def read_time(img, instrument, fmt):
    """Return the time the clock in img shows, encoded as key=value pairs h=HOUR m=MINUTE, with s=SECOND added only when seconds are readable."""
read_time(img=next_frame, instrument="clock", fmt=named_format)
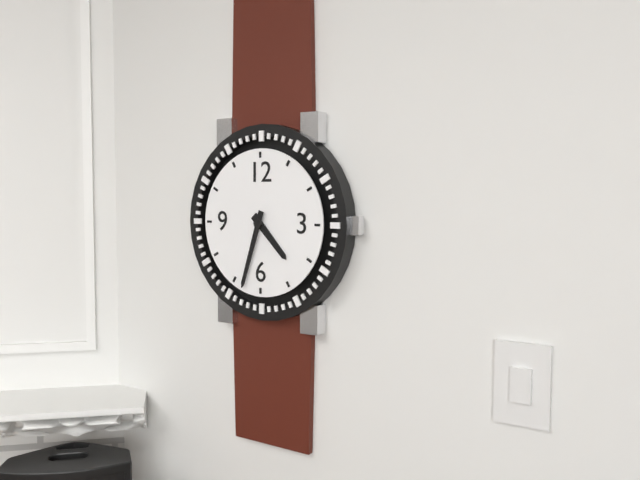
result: h=4 m=33
